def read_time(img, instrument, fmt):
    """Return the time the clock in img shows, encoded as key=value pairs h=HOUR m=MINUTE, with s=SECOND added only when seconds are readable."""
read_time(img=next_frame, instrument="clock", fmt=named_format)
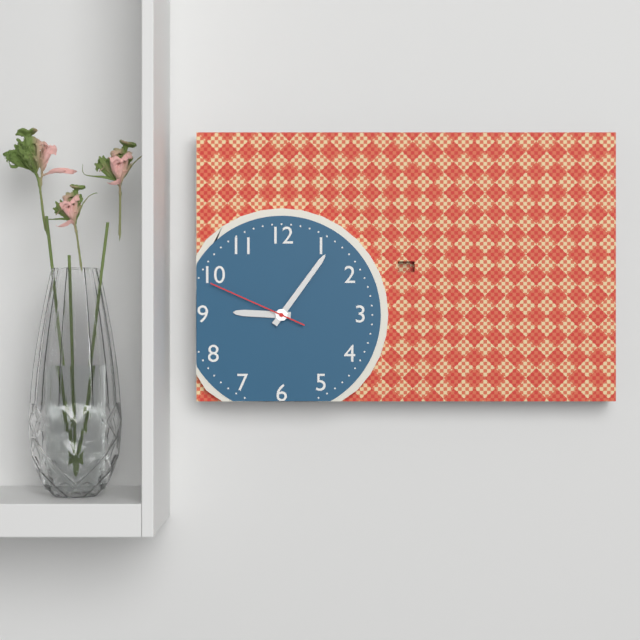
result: h=9 m=6 s=49
